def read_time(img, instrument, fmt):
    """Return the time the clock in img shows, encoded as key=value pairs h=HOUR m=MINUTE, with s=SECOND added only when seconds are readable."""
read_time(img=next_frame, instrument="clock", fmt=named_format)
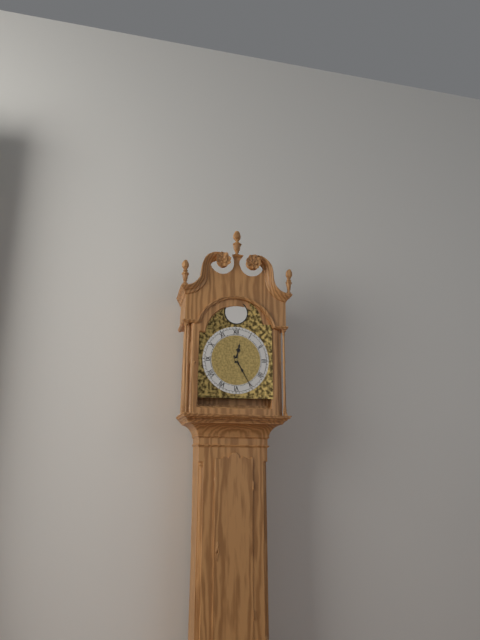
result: h=12 m=25
